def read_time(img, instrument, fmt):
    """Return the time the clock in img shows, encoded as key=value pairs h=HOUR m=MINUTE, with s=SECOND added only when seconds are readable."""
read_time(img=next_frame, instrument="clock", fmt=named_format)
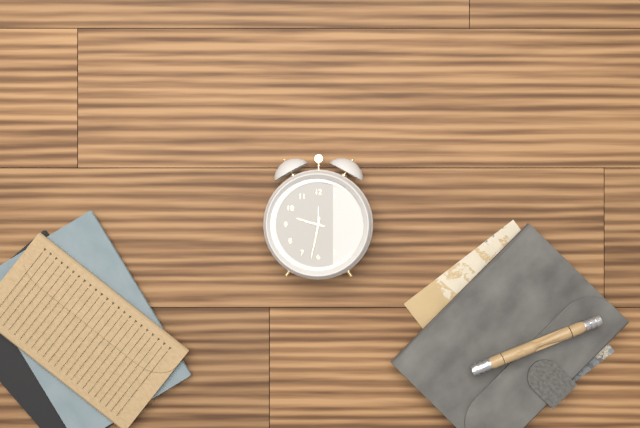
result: h=9 m=32
